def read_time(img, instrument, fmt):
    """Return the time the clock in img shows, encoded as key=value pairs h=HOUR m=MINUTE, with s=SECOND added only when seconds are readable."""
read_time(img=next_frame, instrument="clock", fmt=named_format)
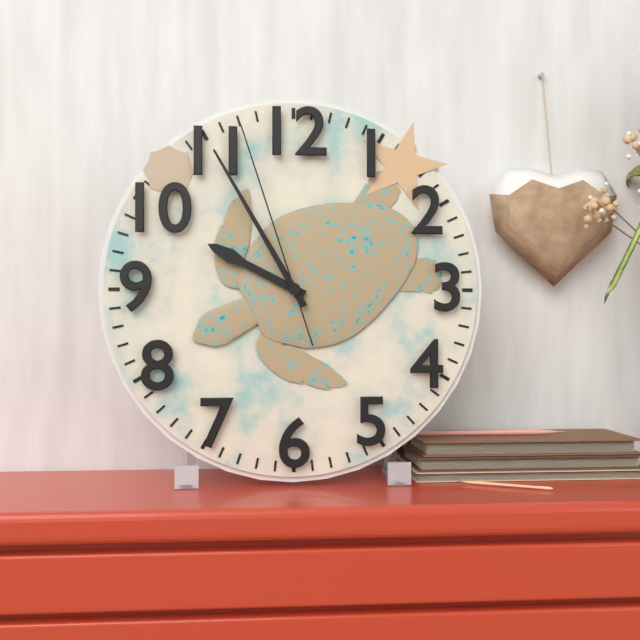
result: h=9 m=55 s=57
